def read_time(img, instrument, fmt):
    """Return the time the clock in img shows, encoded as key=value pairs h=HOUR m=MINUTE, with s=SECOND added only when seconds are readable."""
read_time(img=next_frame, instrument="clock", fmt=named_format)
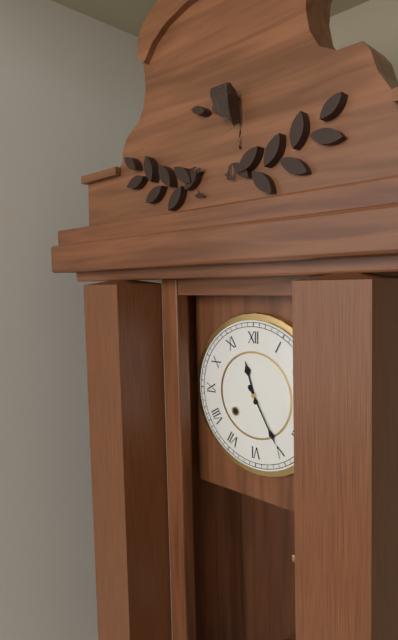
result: h=11 m=25
